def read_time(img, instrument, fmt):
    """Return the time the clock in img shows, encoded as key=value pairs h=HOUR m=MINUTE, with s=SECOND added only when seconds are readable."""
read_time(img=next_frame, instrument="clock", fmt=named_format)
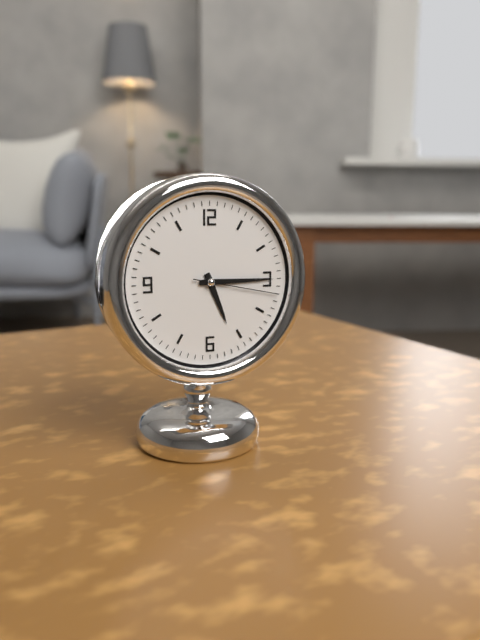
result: h=5 m=15 s=17
